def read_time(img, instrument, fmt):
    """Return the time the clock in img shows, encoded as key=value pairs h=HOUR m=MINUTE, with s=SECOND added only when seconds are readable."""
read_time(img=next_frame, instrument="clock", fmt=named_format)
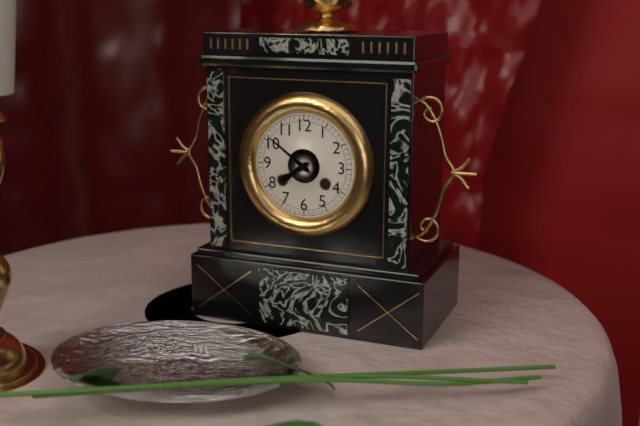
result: h=7 m=51
